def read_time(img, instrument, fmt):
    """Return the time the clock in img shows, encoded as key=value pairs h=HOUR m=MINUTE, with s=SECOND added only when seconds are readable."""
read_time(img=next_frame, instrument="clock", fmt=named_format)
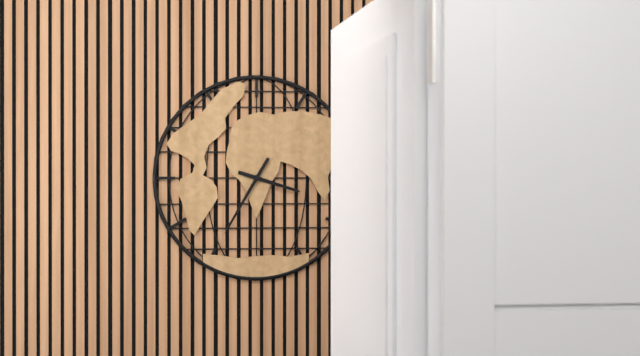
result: h=3 m=35
